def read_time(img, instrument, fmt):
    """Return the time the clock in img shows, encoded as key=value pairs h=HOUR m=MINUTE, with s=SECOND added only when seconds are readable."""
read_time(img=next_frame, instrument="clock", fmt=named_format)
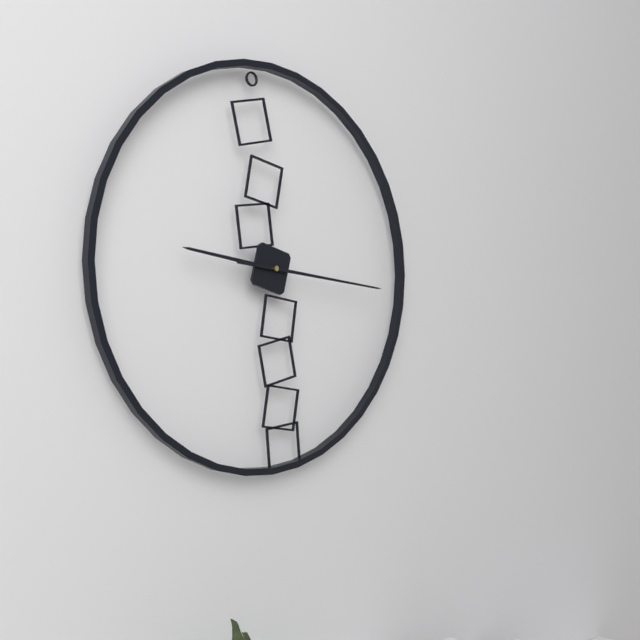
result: h=9 m=16
